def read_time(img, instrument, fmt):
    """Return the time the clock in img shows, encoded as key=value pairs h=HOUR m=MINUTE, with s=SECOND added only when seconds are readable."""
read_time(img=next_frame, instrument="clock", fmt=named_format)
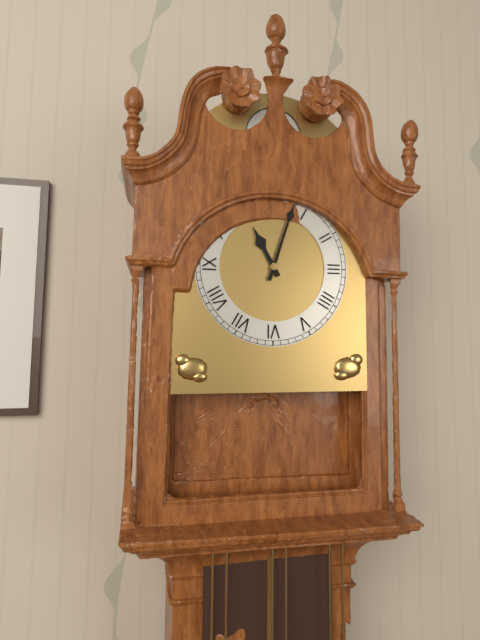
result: h=11 m=3
